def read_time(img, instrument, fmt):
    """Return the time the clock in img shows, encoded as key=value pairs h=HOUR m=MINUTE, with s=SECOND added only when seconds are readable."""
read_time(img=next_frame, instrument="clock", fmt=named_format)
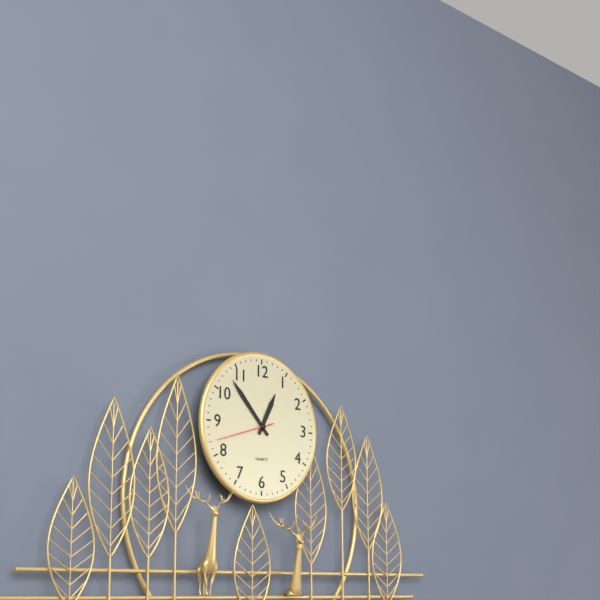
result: h=12 m=53 s=42
